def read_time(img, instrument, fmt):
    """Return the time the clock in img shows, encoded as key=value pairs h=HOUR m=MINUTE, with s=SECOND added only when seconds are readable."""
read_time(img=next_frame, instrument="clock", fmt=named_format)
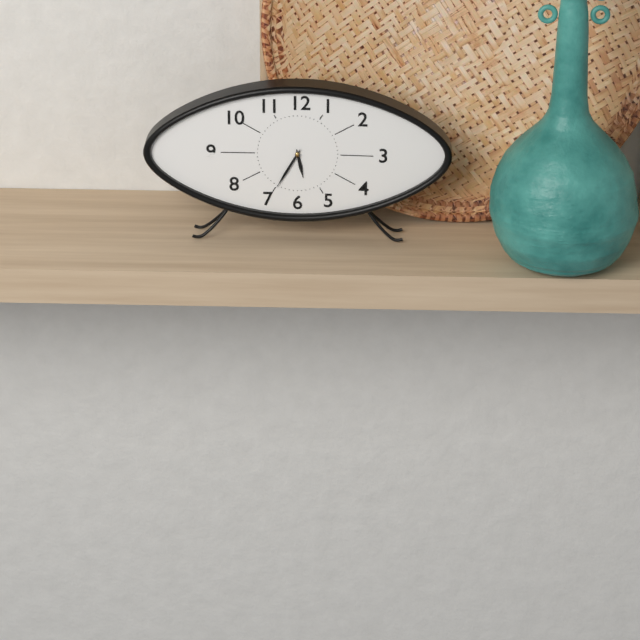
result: h=5 m=35
